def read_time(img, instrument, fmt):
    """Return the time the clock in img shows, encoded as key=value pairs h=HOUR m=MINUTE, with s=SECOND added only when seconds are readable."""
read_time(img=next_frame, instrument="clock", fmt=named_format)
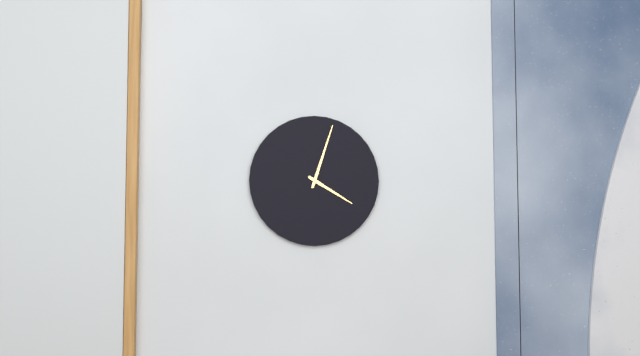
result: h=4 m=3
